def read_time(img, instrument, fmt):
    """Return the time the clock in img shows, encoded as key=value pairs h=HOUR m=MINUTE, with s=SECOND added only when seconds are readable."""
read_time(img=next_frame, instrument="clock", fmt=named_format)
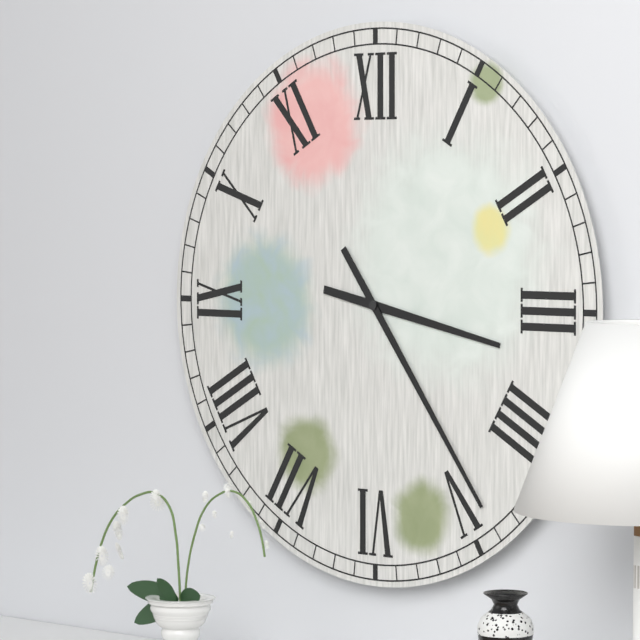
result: h=3 m=24
